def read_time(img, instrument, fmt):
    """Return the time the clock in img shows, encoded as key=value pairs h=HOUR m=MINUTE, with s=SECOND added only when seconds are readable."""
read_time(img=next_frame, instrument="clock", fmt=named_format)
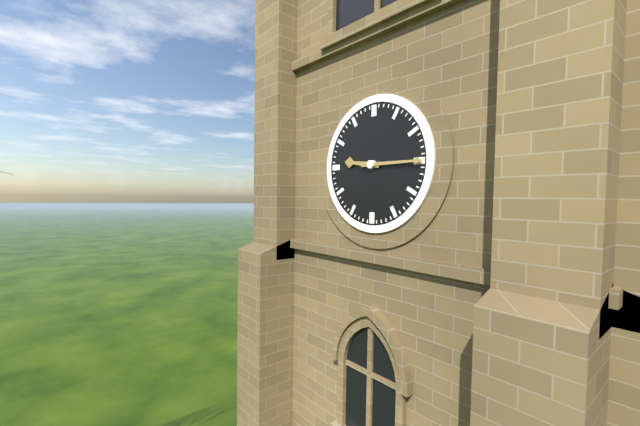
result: h=9 m=15
